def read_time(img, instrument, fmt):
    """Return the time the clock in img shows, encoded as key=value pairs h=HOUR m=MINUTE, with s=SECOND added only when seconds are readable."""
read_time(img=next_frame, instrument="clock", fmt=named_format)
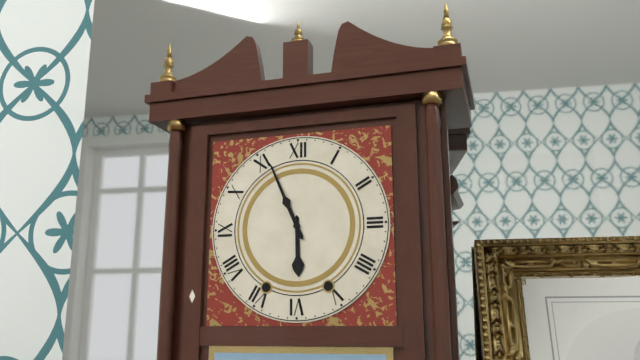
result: h=5 m=56
